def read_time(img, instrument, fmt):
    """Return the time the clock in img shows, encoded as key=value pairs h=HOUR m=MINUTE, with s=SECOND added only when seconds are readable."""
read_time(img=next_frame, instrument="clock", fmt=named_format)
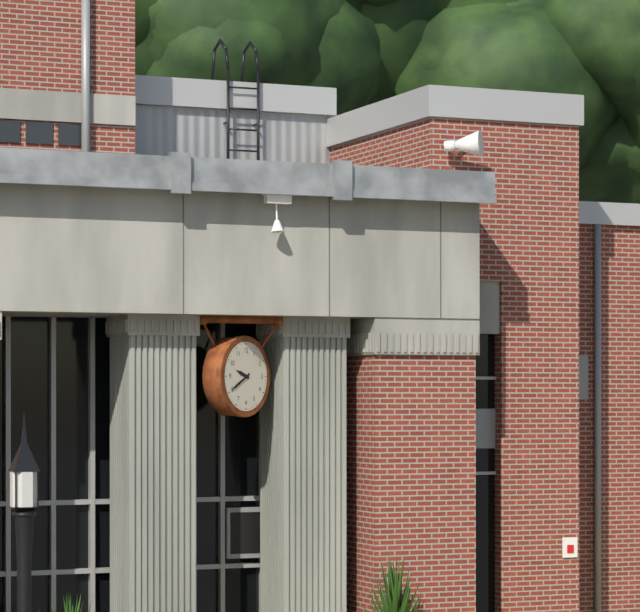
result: h=9 m=40
